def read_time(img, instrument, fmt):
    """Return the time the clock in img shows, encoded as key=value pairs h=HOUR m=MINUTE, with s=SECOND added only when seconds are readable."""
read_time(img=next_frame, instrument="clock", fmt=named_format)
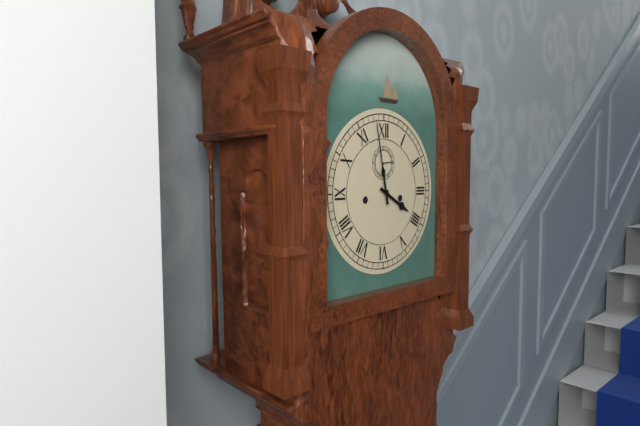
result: h=3 m=58
